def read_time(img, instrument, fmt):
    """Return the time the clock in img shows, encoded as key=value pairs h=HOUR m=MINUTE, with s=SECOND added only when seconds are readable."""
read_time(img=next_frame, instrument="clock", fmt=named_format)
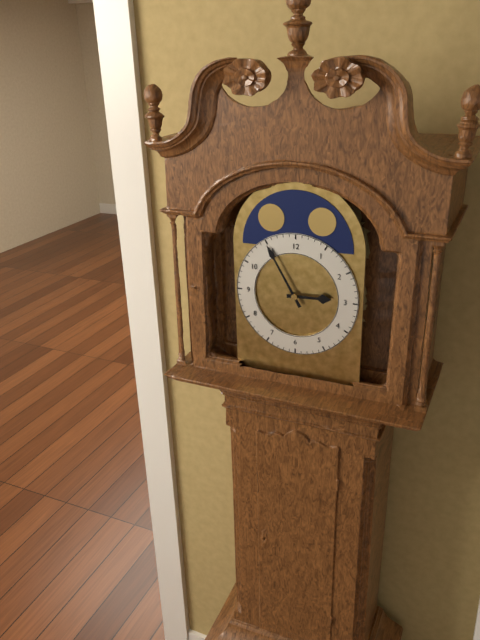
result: h=2 m=55
